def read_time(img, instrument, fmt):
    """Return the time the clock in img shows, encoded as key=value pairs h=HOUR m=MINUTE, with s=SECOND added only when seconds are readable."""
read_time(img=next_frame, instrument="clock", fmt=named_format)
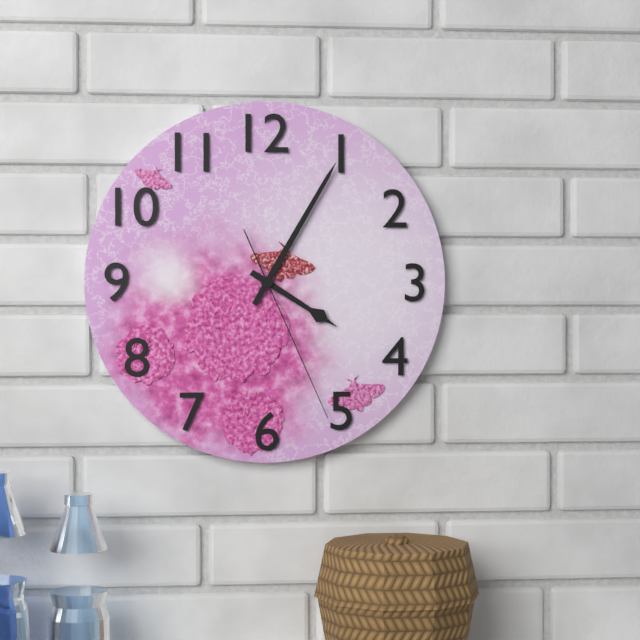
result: h=4 m=5 s=26
